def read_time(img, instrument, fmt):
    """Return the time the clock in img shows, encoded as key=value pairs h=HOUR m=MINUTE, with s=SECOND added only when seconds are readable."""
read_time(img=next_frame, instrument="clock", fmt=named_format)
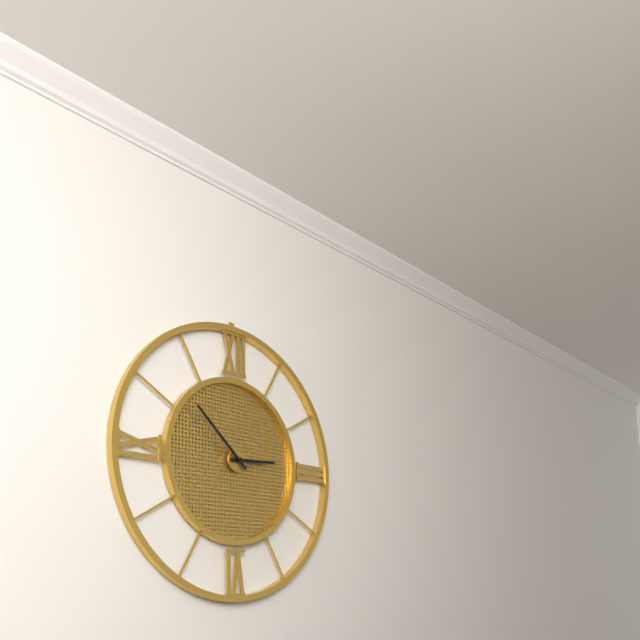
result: h=2 m=52
